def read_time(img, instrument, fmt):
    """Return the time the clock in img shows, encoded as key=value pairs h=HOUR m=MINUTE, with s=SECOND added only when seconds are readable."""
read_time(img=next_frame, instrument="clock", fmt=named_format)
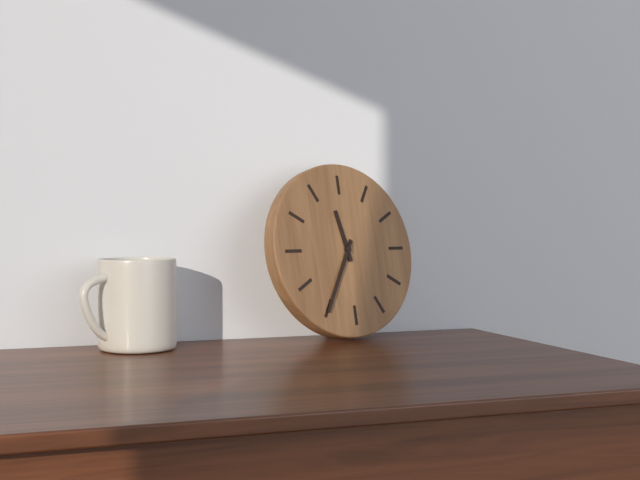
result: h=11 m=35
